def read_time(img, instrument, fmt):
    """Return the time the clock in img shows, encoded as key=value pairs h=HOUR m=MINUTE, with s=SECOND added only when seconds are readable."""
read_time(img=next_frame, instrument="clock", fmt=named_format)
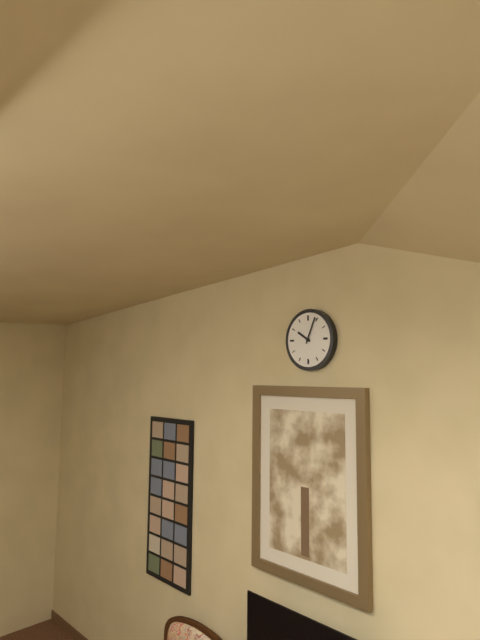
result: h=10 m=4
